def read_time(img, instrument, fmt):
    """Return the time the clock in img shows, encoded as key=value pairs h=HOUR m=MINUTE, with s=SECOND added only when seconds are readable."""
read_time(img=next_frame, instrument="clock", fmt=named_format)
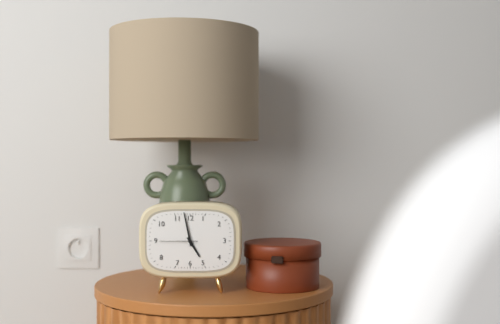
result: h=4 m=58
